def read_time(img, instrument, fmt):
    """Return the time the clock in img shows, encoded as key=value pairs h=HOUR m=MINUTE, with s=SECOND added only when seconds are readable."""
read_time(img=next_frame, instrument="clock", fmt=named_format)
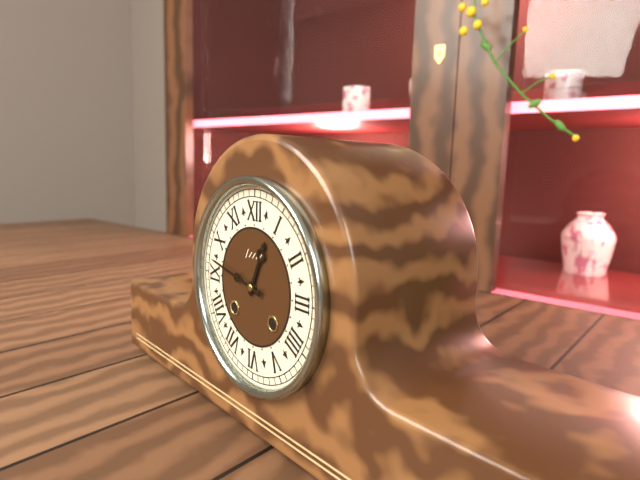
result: h=12 m=47
